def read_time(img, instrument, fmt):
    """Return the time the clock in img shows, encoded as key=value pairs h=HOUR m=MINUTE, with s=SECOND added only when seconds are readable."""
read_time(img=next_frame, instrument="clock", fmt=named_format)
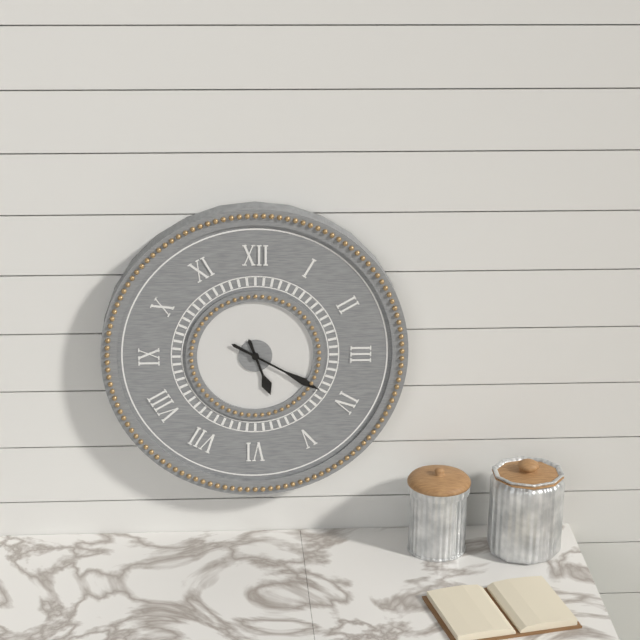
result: h=5 m=20
